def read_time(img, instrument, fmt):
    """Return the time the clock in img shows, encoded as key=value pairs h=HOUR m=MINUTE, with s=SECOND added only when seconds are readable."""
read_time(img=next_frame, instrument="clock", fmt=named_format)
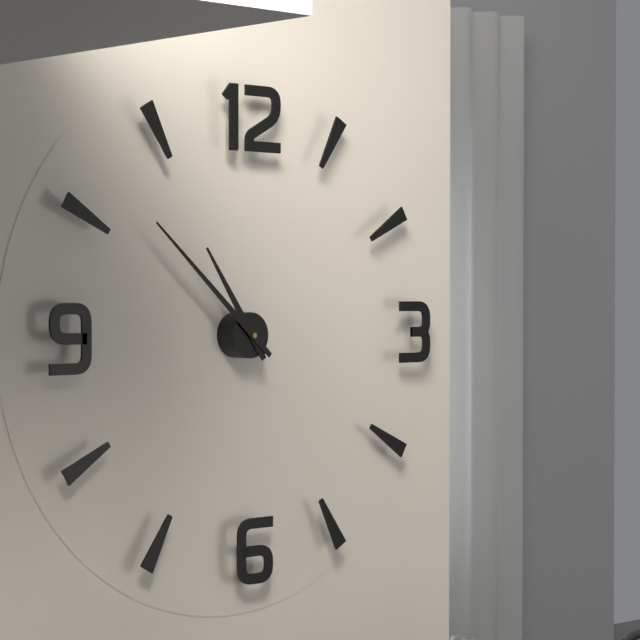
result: h=10 m=52
